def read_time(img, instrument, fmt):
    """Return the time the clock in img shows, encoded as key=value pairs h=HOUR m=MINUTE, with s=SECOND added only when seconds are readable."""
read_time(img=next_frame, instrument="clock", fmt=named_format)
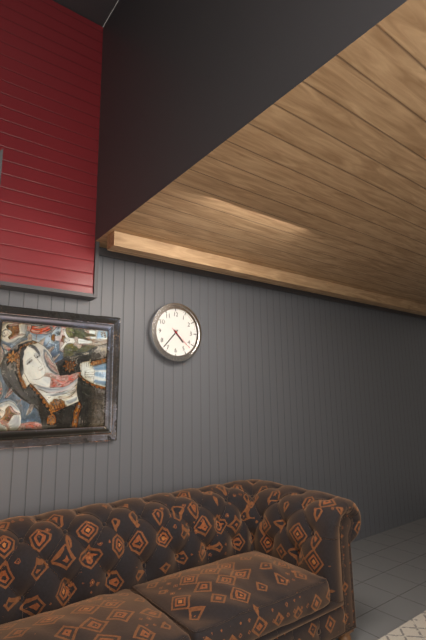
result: h=4 m=37
